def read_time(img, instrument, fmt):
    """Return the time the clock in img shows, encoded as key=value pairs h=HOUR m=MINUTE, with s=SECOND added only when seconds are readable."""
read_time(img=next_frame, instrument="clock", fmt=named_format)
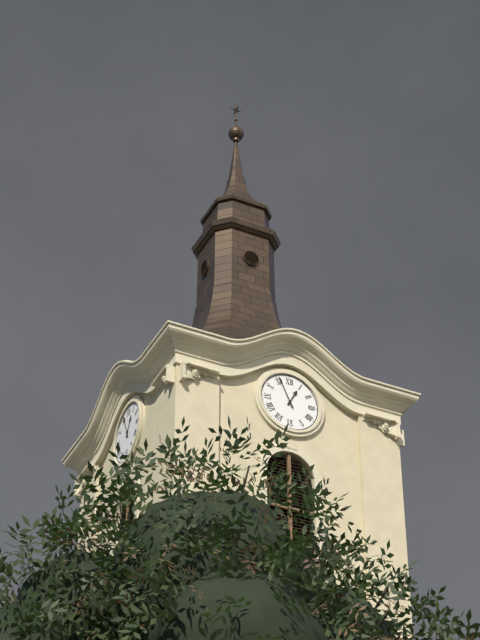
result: h=12 m=56
